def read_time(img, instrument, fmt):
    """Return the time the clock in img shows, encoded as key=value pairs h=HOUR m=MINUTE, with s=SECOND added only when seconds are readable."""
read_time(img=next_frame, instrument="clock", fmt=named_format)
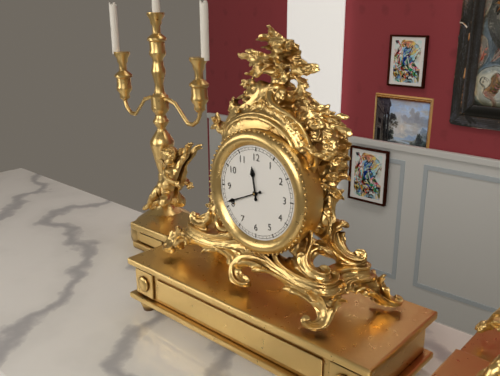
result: h=11 m=41
